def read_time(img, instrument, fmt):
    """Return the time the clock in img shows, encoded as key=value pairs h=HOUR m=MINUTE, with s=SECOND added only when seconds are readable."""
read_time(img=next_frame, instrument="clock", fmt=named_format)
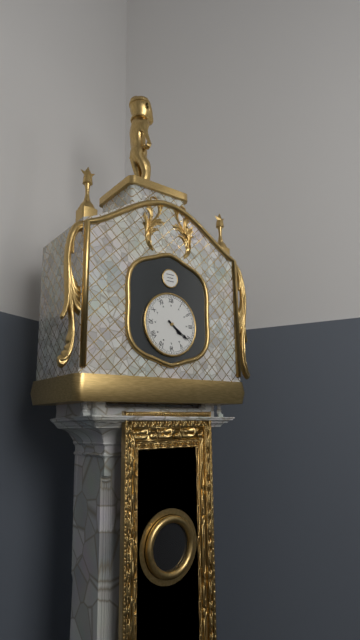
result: h=4 m=21
